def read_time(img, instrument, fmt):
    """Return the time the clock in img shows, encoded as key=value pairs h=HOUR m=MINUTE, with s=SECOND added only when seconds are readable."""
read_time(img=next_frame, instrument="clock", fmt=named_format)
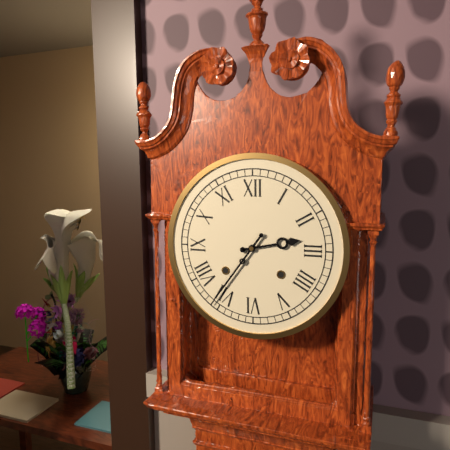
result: h=2 m=36
